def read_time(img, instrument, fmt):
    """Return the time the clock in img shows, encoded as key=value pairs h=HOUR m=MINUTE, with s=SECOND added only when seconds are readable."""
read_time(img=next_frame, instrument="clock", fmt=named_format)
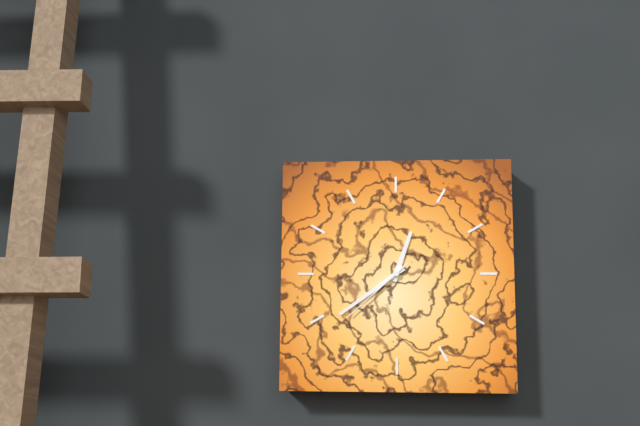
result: h=12 m=39 s=38
